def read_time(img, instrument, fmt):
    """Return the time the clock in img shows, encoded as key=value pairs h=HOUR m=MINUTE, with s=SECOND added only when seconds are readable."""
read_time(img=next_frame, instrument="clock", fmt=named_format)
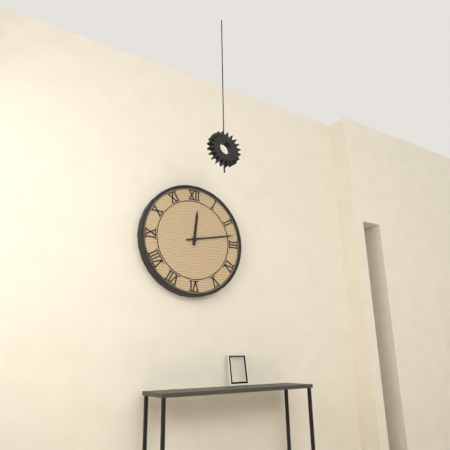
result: h=12 m=13
